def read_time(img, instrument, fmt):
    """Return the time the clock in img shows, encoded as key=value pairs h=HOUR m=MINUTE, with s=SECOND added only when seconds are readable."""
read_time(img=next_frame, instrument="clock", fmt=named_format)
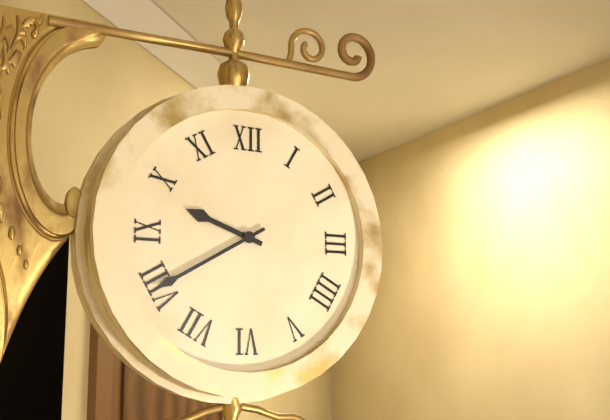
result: h=9 m=40
